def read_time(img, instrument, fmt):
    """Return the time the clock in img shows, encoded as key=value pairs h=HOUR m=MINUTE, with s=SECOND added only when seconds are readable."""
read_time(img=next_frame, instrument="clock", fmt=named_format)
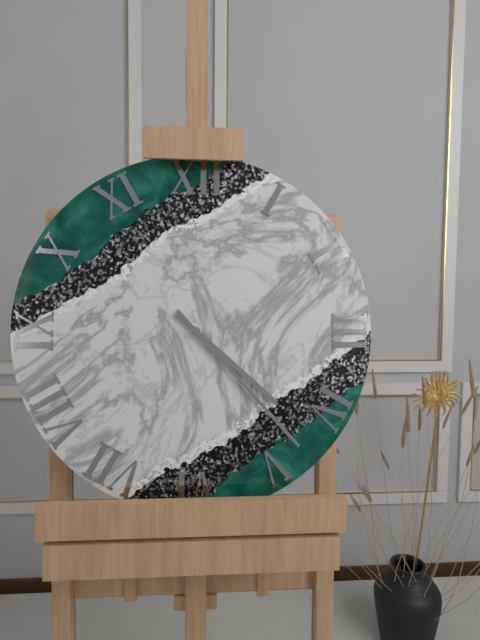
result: h=4 m=23
